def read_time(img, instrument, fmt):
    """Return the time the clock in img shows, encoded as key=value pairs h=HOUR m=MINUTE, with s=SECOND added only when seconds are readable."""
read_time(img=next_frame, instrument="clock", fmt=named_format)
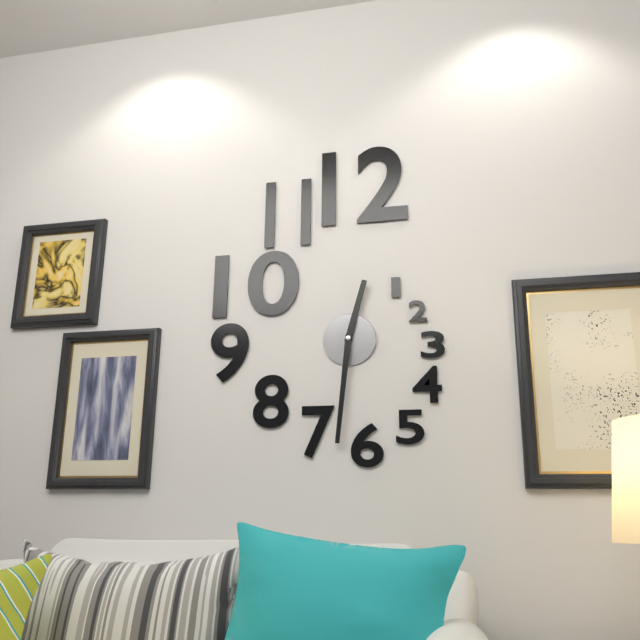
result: h=12 m=31
